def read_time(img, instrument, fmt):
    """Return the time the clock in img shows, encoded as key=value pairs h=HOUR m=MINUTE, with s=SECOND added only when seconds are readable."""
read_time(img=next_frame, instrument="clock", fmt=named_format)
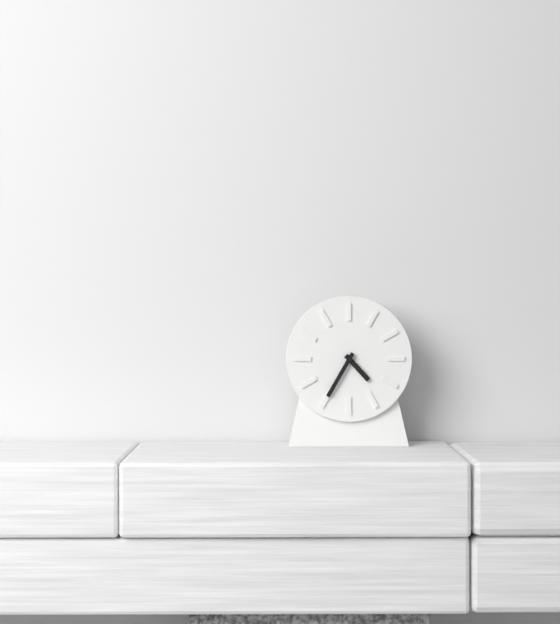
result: h=4 m=35
